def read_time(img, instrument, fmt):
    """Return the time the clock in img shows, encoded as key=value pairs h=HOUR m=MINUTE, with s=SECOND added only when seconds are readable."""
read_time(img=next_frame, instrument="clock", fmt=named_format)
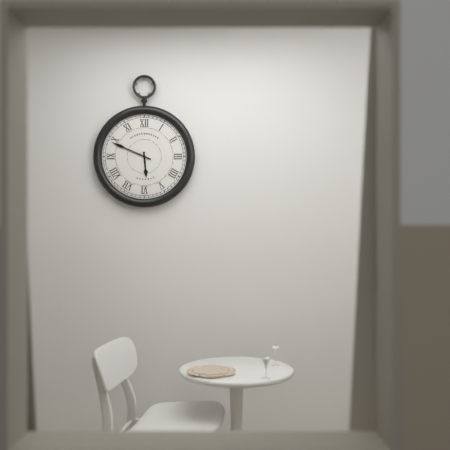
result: h=5 m=49
